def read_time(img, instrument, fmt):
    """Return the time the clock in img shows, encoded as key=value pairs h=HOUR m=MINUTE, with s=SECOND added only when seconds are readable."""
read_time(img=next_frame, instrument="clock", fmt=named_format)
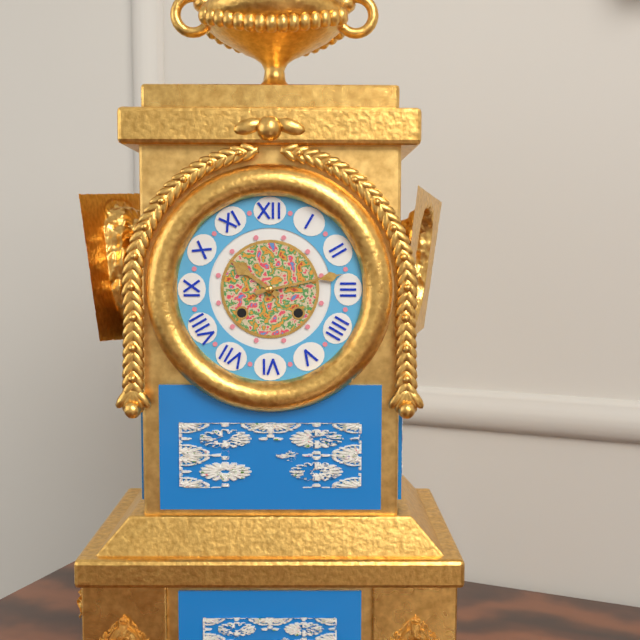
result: h=10 m=13
